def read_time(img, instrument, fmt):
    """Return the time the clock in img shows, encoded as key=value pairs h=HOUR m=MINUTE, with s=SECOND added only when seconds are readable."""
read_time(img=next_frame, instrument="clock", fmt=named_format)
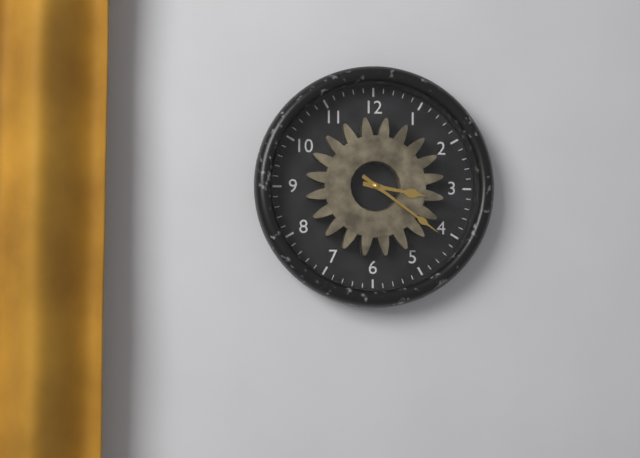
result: h=3 m=21
